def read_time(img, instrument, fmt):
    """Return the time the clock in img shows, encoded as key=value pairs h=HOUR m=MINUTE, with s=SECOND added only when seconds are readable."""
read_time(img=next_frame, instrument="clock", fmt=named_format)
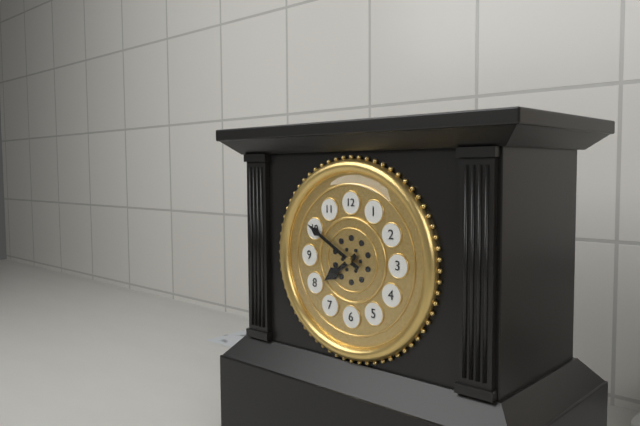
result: h=7 m=50
